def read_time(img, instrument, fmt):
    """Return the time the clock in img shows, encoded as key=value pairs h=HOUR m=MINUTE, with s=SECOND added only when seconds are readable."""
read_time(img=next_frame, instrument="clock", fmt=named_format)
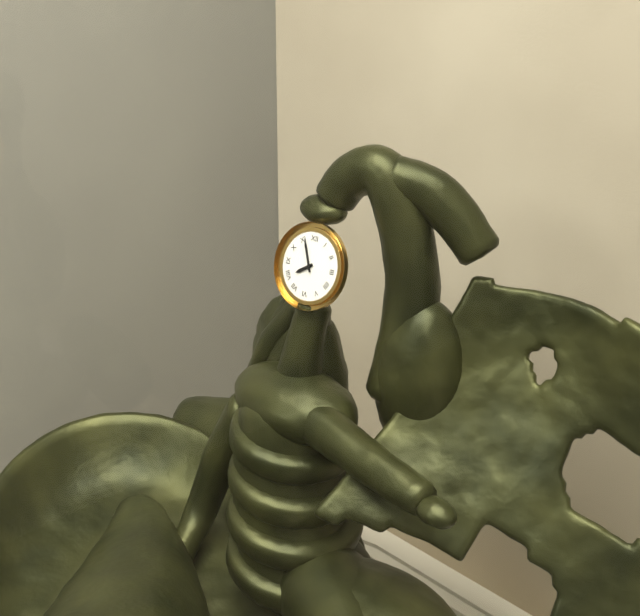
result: h=7 m=56
